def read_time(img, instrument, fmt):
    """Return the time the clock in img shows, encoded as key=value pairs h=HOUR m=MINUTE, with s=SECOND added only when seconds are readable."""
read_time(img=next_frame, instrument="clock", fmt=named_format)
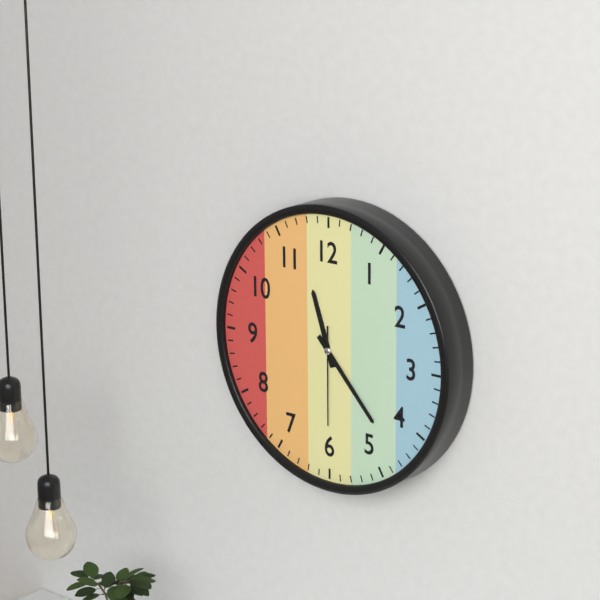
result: h=11 m=23 s=30
